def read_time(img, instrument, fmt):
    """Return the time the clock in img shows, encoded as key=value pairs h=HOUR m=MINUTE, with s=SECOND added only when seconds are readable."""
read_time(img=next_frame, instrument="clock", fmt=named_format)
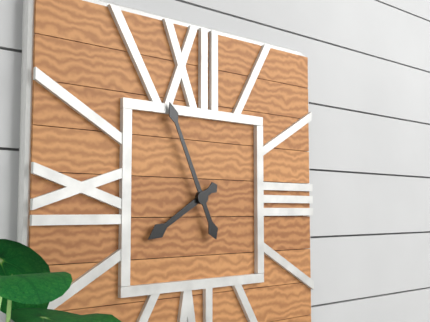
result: h=7 m=56
